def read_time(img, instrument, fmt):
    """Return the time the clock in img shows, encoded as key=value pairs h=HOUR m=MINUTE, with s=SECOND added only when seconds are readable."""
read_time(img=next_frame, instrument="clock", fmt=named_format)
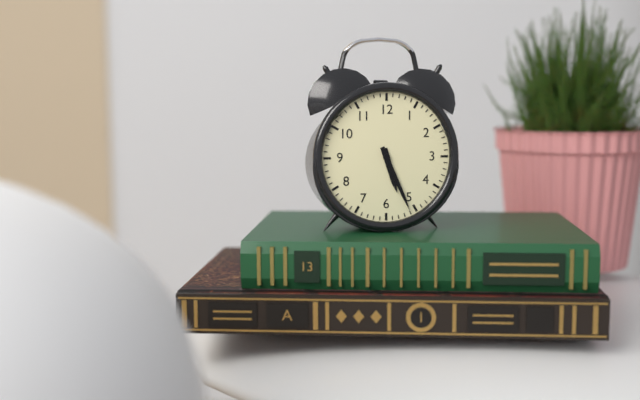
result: h=5 m=26
